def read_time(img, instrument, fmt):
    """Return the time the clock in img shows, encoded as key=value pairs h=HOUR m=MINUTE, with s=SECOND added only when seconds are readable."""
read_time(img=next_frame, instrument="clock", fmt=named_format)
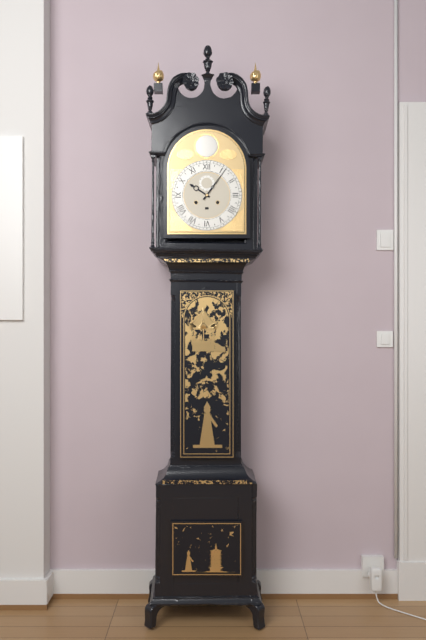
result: h=10 m=6
